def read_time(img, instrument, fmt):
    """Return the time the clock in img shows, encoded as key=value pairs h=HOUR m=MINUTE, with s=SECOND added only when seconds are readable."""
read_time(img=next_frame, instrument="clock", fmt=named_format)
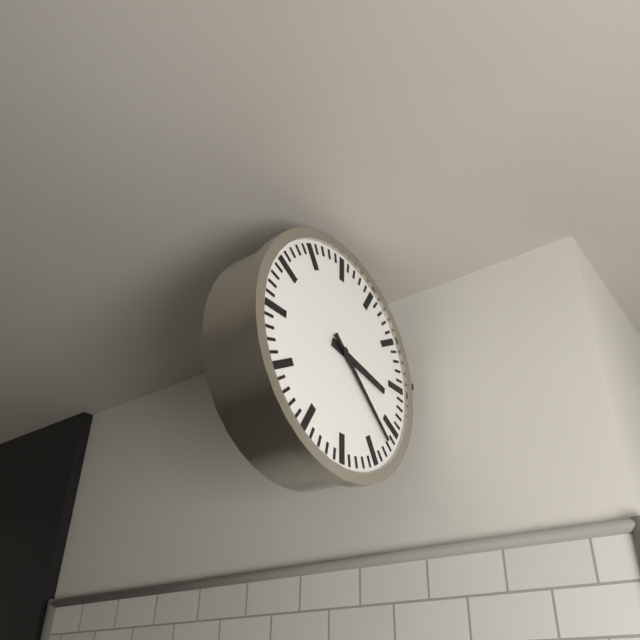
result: h=3 m=22
